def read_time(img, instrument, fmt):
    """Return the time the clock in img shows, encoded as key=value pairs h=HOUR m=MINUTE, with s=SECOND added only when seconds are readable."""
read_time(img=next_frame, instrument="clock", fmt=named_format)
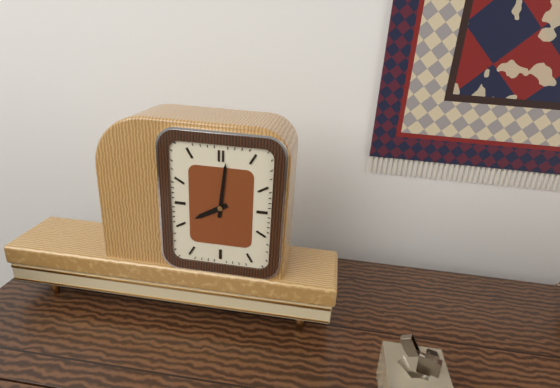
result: h=8 m=1
